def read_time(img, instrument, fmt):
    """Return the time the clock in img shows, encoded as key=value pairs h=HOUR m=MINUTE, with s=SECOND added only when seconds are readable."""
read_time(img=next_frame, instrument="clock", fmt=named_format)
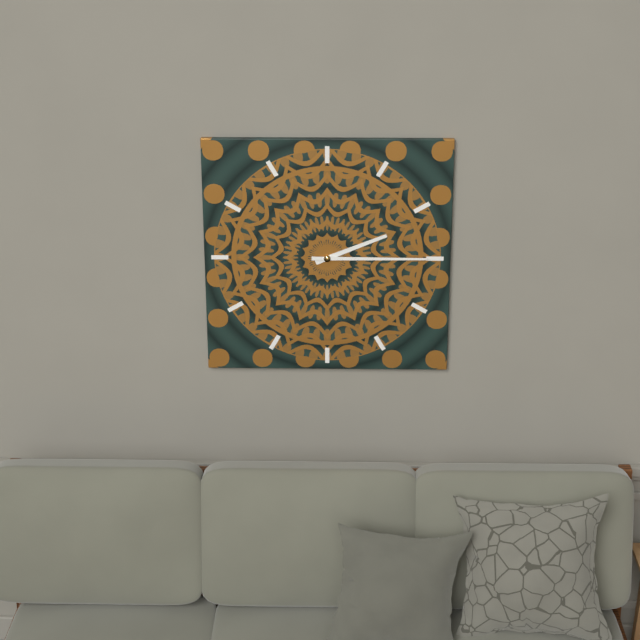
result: h=2 m=15
